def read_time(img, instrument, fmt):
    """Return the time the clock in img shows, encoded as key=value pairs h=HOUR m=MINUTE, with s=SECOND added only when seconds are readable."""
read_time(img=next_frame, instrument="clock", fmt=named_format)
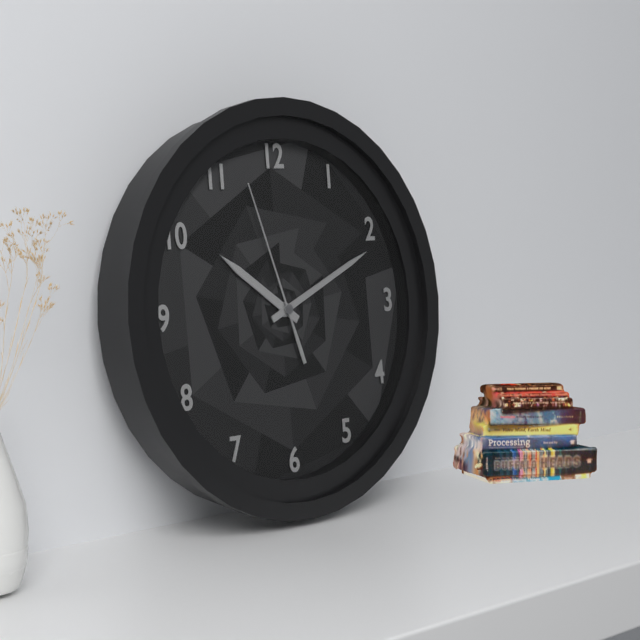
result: h=10 m=11 s=57
